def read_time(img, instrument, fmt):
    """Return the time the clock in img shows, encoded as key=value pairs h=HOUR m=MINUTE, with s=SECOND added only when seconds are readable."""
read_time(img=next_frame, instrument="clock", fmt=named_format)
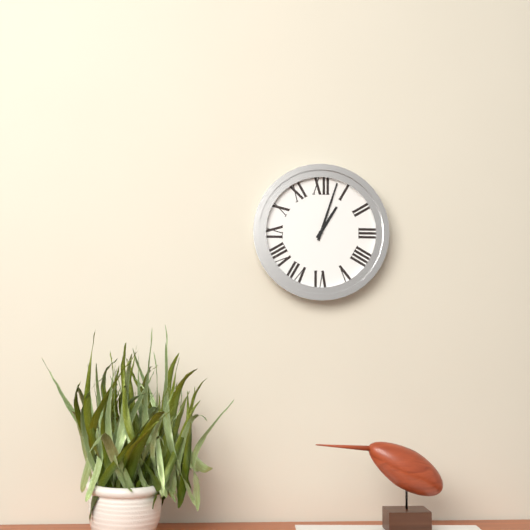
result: h=1 m=3
